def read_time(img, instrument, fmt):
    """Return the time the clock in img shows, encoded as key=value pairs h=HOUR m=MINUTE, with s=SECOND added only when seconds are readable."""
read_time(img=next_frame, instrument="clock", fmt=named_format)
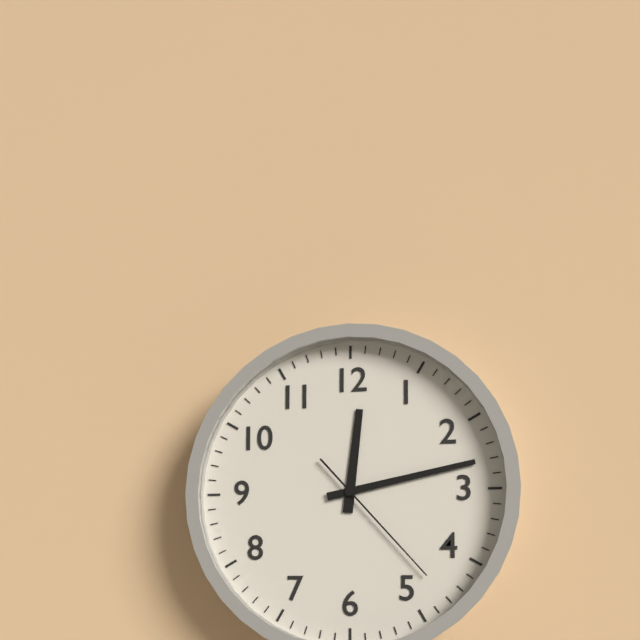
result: h=12 m=13 s=23
